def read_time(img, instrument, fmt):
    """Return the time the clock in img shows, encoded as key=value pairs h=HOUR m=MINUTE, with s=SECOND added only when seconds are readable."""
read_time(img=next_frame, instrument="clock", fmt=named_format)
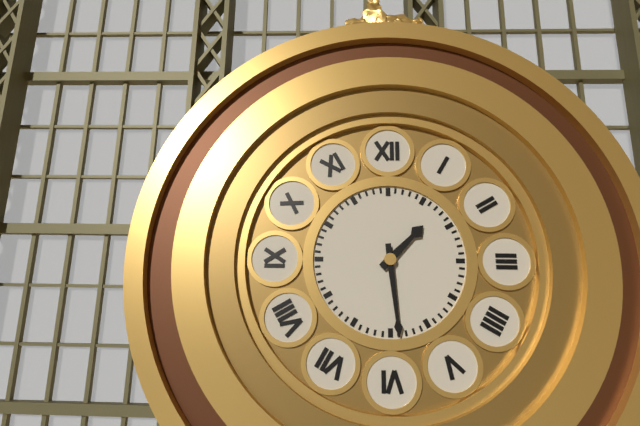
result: h=1 m=29
